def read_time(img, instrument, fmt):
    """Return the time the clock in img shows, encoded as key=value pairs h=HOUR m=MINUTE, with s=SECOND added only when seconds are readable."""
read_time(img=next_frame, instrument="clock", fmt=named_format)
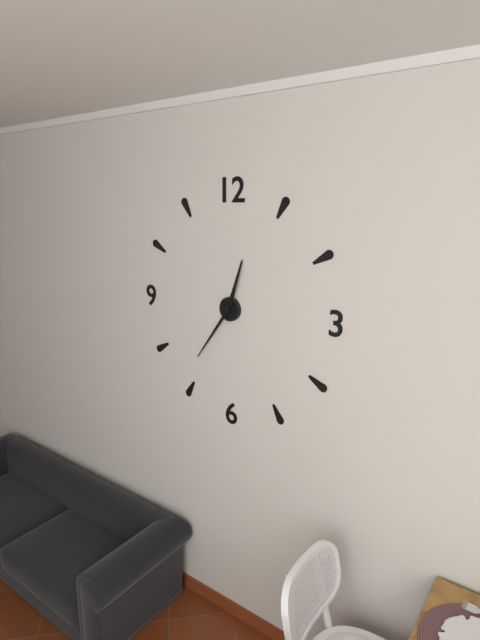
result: h=12 m=36
